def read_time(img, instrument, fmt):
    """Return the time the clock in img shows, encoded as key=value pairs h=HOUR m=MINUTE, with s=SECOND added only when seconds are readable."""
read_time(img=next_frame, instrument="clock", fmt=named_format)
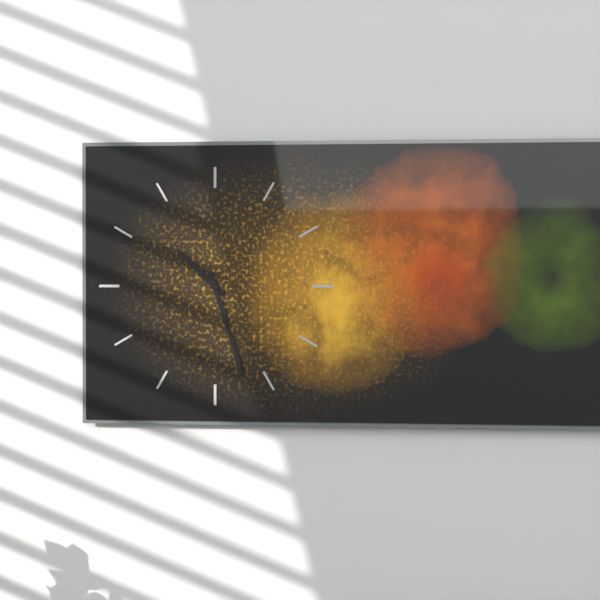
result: h=10 m=27
